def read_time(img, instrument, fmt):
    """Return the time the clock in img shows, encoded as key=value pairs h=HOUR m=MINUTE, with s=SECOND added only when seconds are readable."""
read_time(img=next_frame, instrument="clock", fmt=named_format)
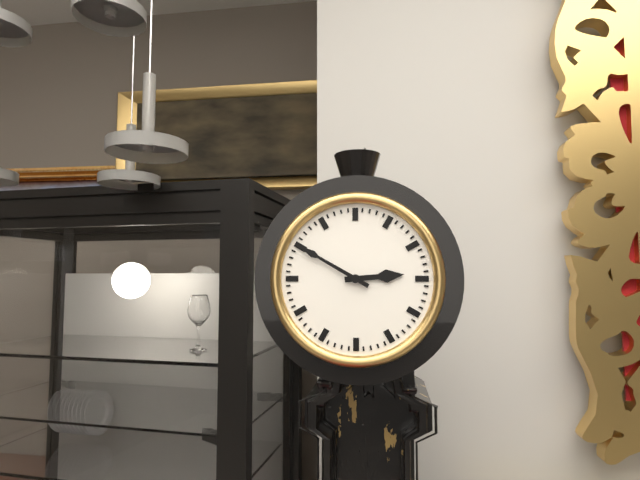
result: h=2 m=50
